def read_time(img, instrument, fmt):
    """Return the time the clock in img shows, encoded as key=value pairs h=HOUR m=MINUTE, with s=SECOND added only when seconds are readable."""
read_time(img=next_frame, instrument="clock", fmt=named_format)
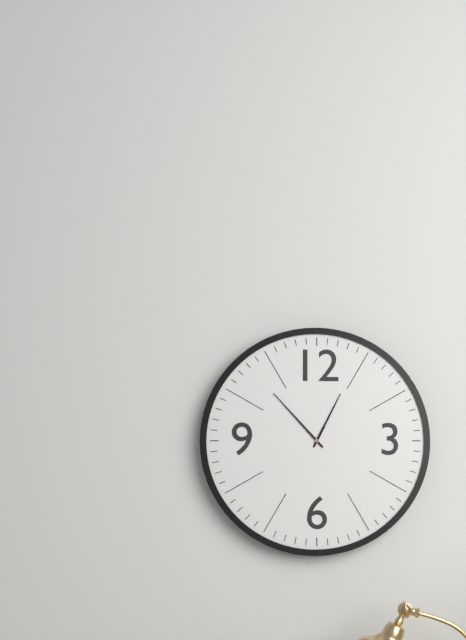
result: h=12 m=53
